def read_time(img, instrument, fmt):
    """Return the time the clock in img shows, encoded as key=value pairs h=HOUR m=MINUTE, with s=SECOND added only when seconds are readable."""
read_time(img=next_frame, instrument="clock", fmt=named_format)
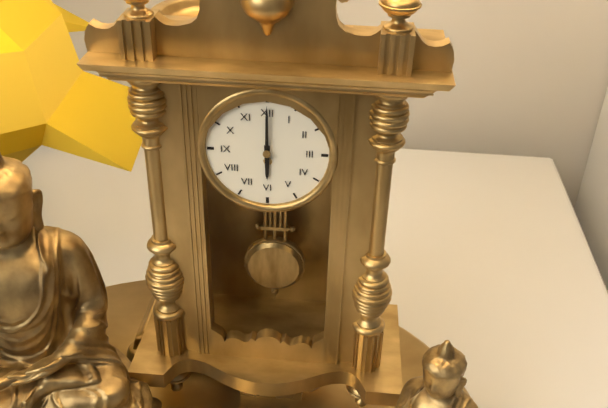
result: h=6 m=0
